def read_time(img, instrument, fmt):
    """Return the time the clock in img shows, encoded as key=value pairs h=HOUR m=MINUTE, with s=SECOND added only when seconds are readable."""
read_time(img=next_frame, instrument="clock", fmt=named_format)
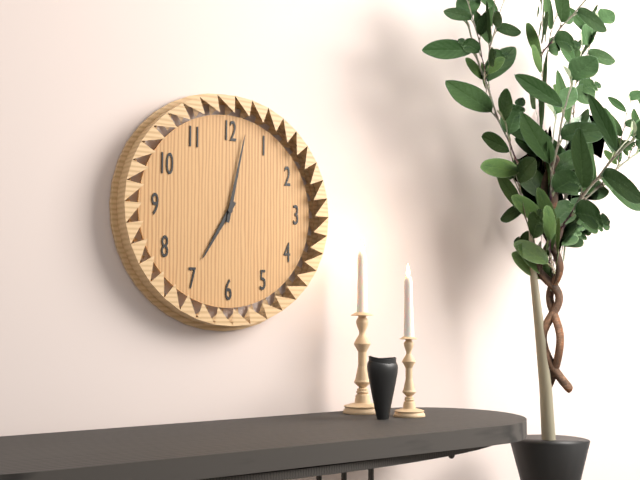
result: h=7 m=2
